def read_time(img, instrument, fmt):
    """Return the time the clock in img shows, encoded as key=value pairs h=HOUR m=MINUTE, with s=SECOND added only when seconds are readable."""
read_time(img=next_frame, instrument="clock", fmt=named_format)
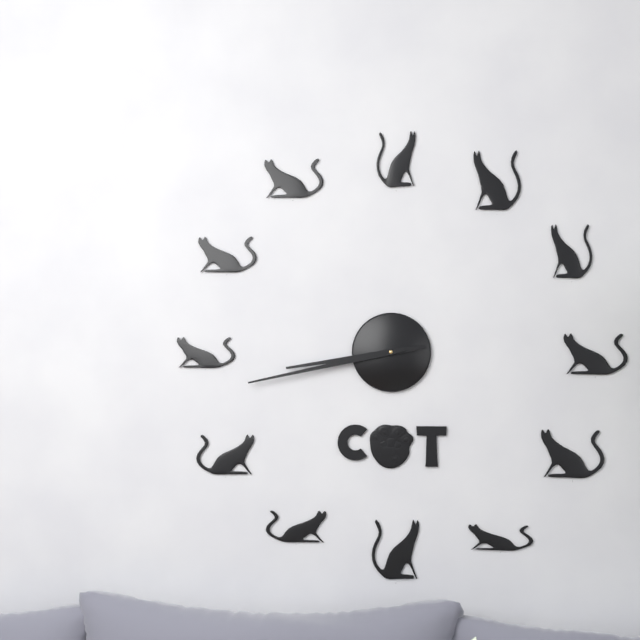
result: h=8 m=43
